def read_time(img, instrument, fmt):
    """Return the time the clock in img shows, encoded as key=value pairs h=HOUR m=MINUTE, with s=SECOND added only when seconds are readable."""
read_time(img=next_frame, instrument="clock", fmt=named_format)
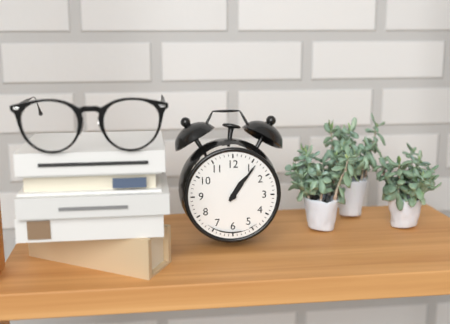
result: h=1 m=6
